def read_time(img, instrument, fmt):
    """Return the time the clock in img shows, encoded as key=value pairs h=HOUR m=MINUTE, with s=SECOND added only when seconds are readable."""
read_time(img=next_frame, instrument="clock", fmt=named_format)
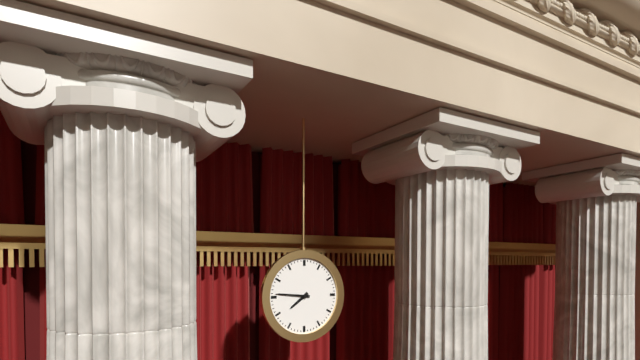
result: h=7 m=46
